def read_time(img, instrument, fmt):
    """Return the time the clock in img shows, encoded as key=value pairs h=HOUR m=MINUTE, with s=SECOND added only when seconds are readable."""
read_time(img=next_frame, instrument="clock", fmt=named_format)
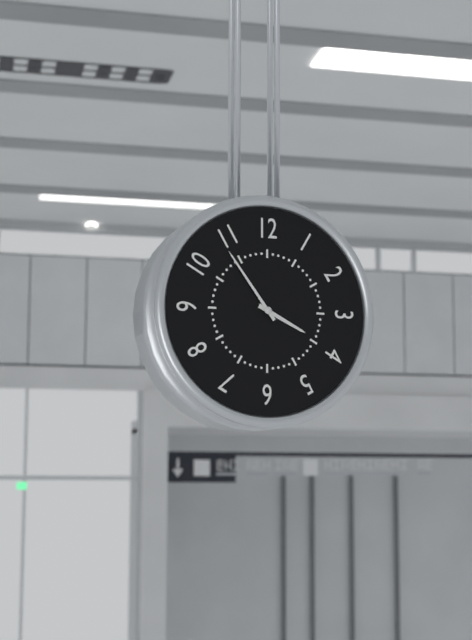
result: h=3 m=54
